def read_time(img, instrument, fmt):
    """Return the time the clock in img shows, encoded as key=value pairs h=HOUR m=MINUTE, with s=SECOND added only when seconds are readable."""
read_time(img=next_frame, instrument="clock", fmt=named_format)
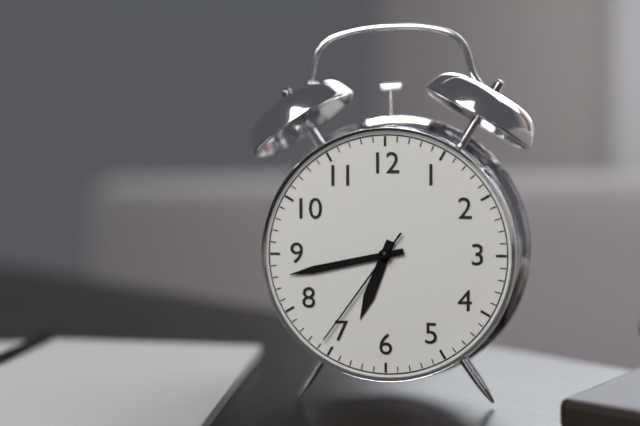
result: h=6 m=43 s=36
